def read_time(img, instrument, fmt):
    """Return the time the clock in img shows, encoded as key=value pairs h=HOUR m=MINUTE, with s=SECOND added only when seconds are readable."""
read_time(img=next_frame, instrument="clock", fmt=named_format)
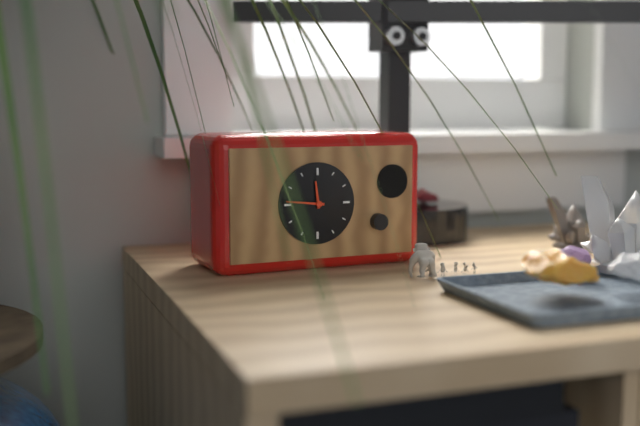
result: h=11 m=46
